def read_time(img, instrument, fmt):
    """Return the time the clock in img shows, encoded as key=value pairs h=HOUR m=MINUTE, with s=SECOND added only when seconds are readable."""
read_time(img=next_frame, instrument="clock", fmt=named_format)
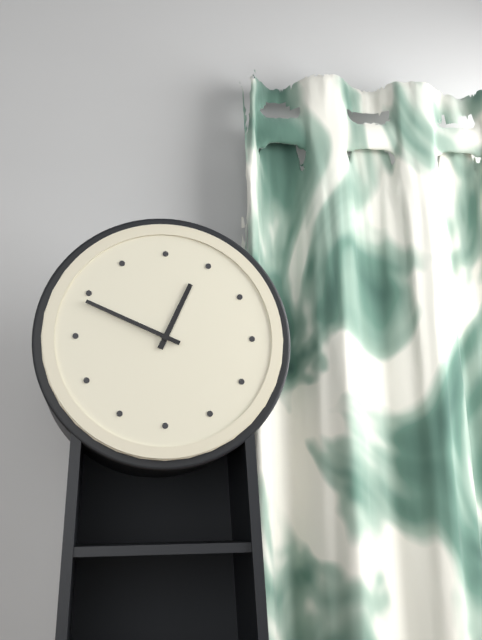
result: h=12 m=49
